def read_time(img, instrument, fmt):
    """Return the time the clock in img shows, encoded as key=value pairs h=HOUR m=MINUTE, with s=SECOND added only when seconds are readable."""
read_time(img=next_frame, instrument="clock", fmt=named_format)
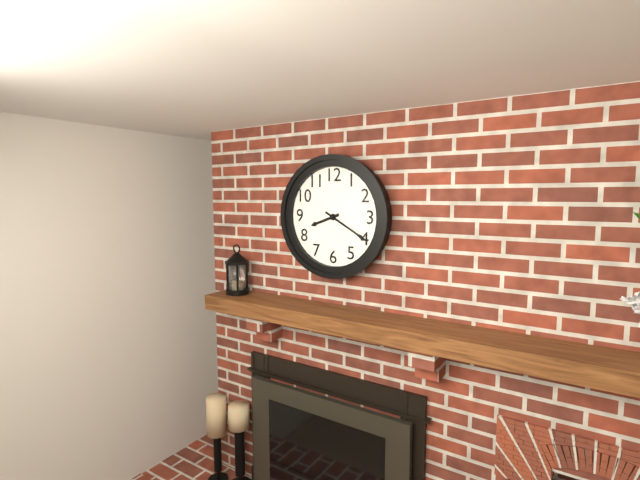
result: h=8 m=20
